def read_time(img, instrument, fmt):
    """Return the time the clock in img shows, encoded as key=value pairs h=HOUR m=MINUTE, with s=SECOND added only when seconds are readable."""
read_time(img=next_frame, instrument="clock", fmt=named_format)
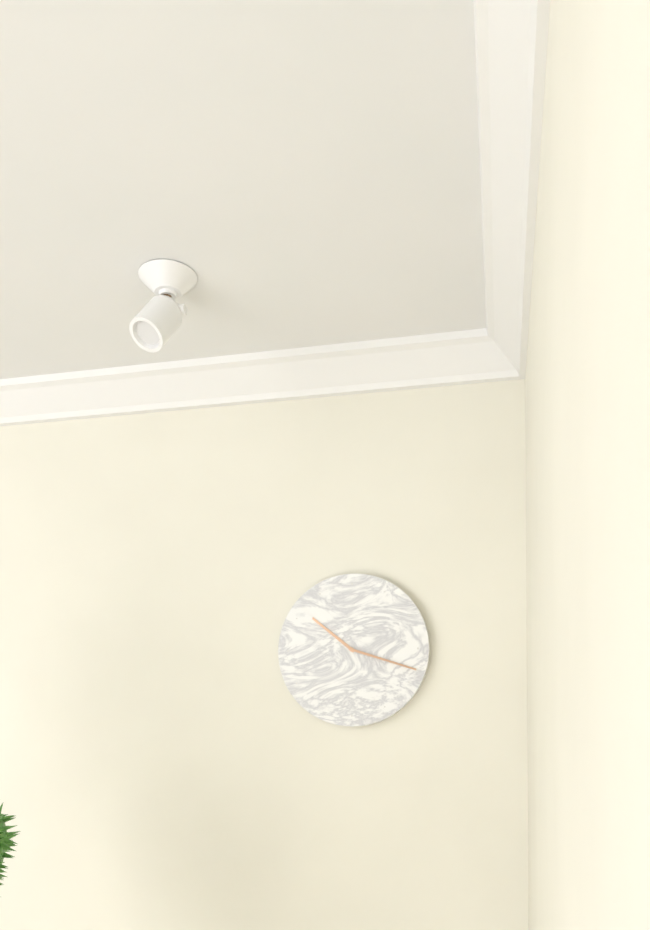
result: h=10 m=18
